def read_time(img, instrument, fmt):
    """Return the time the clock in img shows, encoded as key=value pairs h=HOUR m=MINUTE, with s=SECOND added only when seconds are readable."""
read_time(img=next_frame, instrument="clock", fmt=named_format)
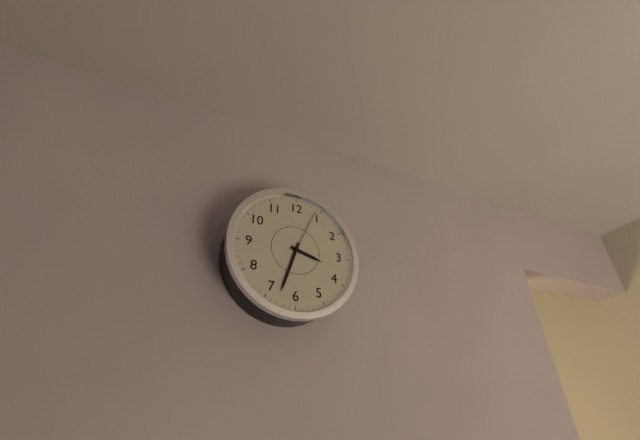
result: h=3 m=33 s=4
